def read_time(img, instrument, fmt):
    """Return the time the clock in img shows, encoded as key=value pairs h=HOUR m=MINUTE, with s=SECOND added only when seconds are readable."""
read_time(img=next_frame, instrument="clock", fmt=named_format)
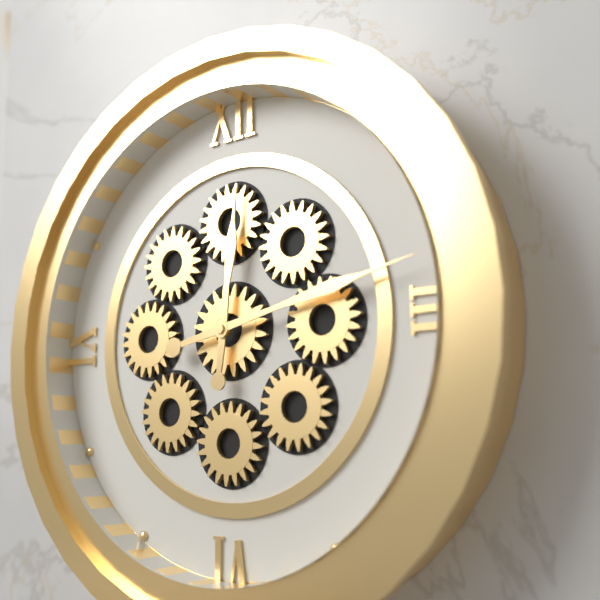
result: h=12 m=13
